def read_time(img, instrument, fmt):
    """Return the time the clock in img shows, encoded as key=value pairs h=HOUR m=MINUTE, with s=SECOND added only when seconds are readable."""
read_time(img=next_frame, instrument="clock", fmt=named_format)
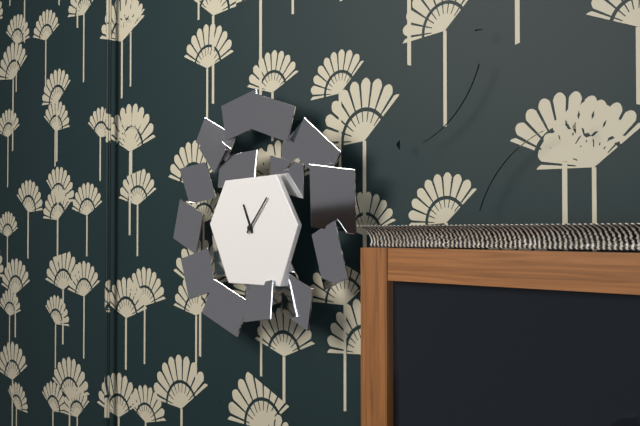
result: h=11 m=7
